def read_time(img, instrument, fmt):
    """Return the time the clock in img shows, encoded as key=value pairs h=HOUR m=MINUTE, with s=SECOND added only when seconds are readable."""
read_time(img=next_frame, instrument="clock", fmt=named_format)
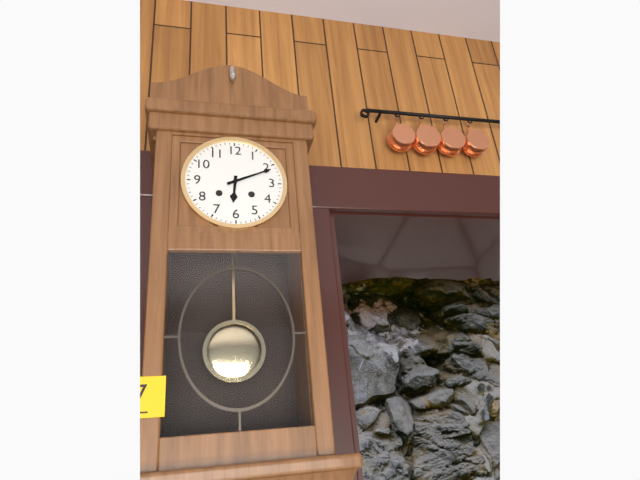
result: h=6 m=11
